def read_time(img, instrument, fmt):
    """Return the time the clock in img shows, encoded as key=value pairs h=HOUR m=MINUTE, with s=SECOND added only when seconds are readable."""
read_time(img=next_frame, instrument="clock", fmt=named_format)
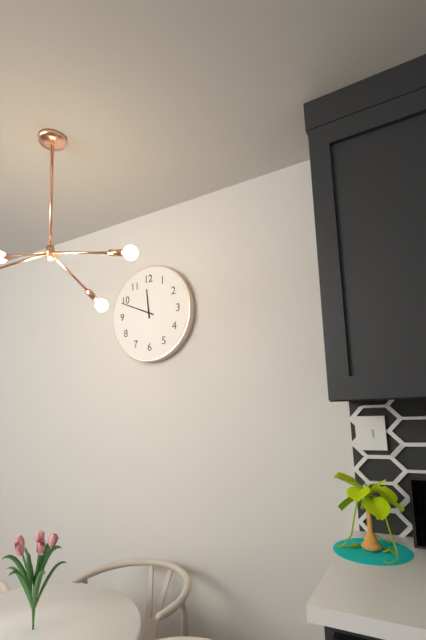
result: h=11 m=49
